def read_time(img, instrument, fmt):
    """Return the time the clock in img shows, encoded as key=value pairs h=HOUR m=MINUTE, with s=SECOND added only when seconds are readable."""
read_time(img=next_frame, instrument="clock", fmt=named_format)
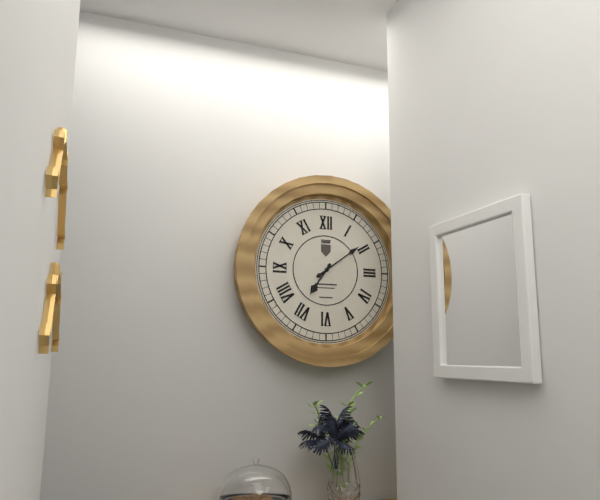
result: h=7 m=9
